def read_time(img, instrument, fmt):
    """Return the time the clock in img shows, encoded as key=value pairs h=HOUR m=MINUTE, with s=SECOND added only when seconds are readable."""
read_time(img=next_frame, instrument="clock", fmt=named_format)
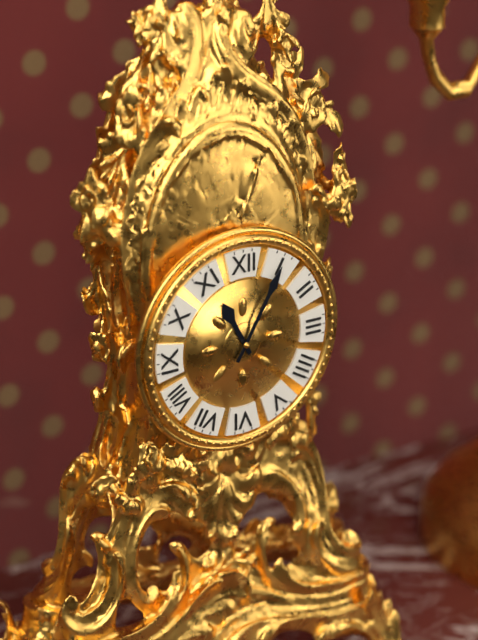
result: h=11 m=5
